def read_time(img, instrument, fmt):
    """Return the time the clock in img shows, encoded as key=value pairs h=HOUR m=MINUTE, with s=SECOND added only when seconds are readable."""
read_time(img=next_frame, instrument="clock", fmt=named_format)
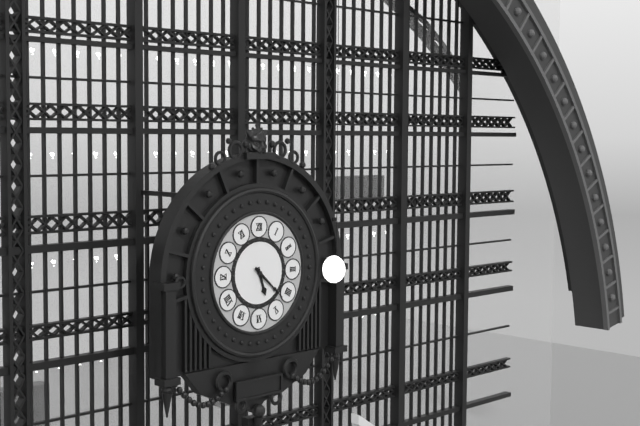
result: h=5 m=22
